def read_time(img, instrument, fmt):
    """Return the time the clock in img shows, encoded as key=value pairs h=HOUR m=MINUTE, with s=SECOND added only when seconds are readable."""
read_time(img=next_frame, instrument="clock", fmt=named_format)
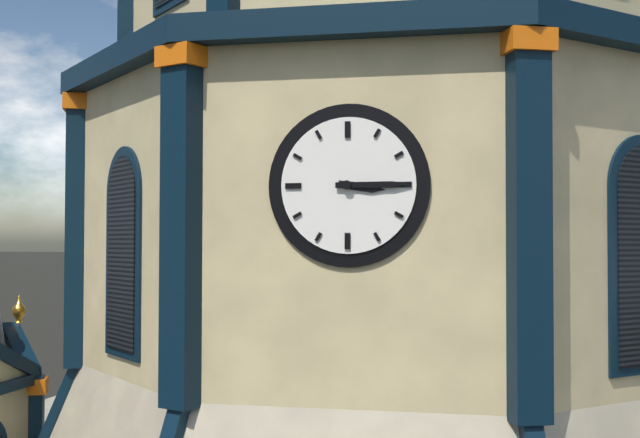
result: h=3 m=15
